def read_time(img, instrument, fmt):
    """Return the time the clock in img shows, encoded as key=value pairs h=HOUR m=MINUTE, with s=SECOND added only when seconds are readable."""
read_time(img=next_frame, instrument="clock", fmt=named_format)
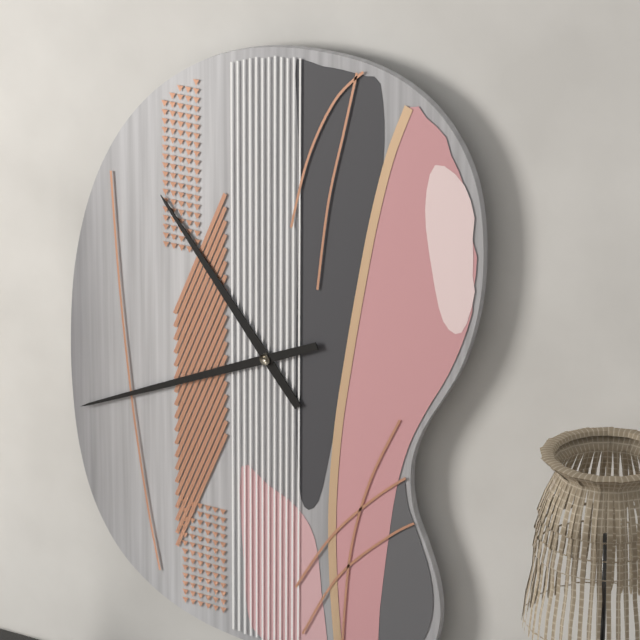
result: h=10 m=41
